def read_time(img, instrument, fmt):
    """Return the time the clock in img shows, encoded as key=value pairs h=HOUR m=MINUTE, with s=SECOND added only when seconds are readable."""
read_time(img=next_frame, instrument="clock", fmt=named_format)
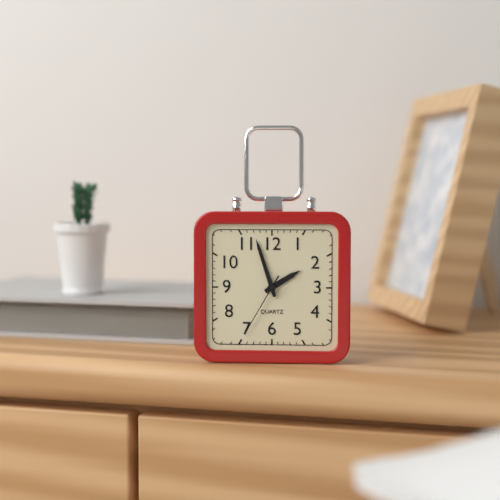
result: h=1 m=57 s=35
